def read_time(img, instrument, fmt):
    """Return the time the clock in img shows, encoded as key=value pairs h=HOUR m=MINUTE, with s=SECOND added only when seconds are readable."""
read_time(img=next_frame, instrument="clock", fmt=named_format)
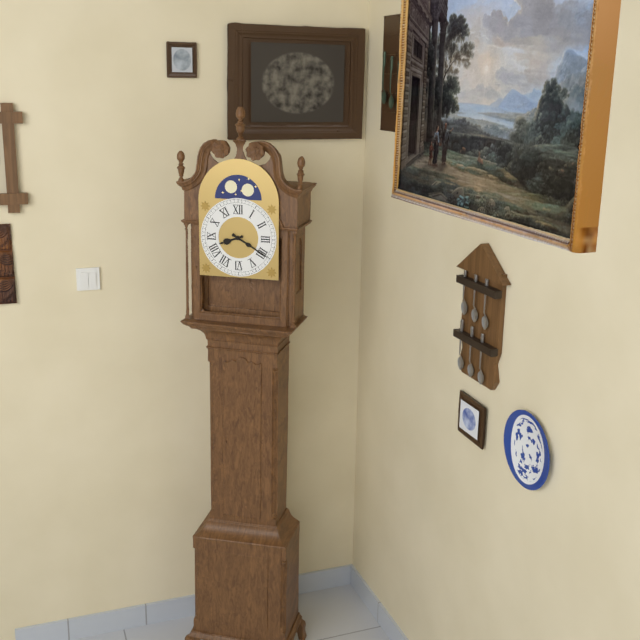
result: h=8 m=20
